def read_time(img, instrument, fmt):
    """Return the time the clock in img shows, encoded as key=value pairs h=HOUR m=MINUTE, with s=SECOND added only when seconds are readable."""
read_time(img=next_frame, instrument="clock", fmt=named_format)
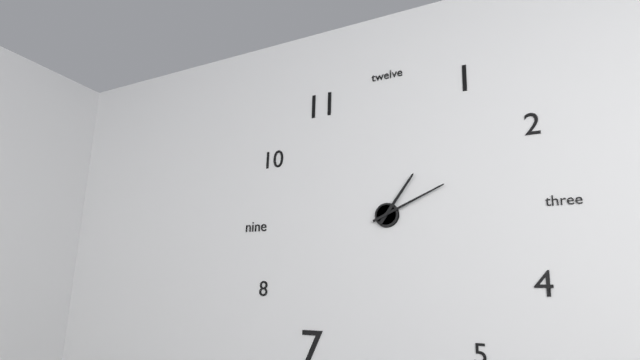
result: h=1 m=11
